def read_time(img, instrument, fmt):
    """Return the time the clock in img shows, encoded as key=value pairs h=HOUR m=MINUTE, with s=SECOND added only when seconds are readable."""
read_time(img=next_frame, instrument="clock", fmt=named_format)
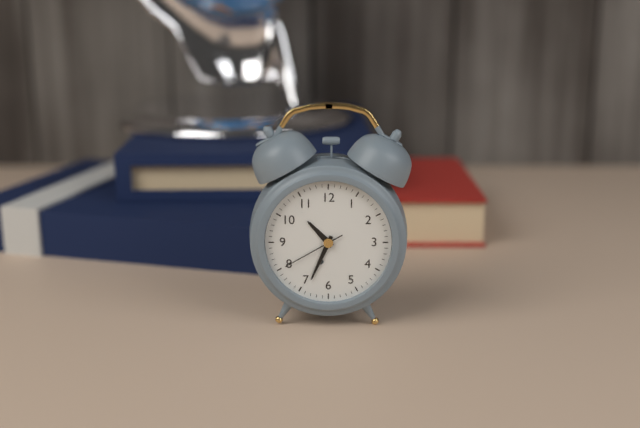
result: h=10 m=34 s=40
